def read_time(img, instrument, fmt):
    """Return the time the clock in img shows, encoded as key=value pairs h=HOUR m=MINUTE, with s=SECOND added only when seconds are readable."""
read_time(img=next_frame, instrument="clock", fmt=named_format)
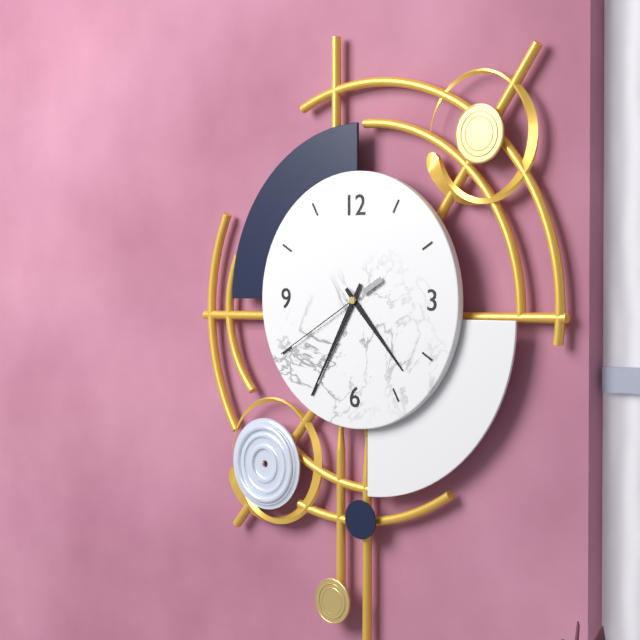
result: h=4 m=35 s=40
